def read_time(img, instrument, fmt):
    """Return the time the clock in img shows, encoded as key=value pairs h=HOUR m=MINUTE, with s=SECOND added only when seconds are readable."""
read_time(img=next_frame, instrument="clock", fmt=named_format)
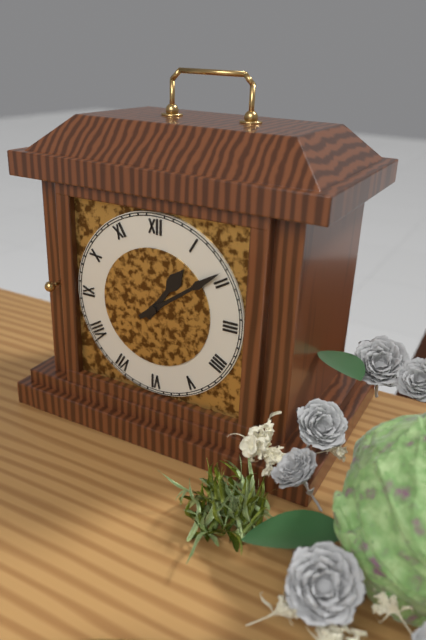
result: h=1 m=9
